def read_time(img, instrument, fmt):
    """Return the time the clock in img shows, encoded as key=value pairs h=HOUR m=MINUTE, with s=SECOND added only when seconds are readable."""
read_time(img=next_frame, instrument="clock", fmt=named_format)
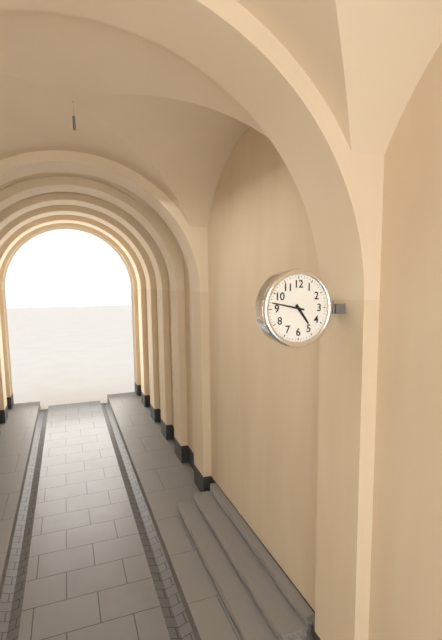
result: h=4 m=47
